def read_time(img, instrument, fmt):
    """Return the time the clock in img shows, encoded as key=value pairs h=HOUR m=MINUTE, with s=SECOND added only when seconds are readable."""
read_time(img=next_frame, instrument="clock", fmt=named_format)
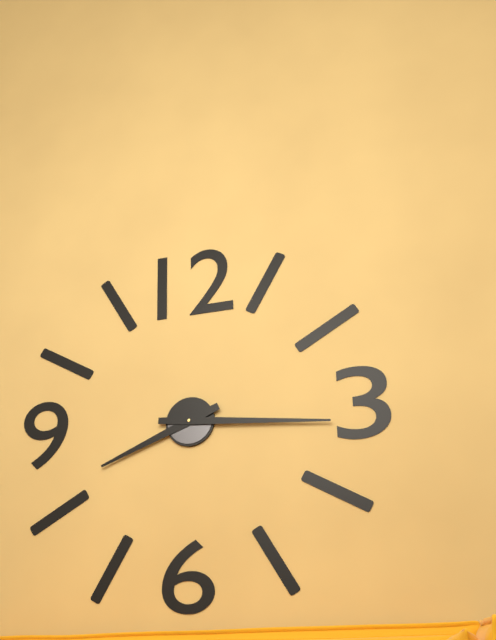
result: h=8 m=16
